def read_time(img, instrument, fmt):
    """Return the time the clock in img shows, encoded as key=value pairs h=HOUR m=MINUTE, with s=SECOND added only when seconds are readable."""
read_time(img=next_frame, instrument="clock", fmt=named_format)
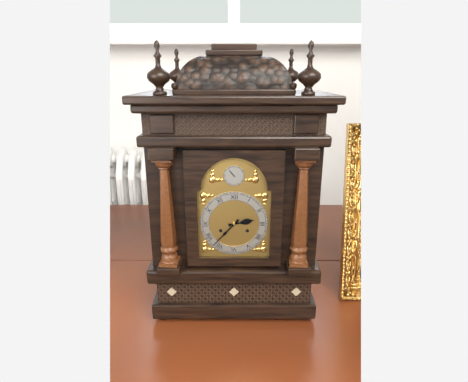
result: h=2 m=37
